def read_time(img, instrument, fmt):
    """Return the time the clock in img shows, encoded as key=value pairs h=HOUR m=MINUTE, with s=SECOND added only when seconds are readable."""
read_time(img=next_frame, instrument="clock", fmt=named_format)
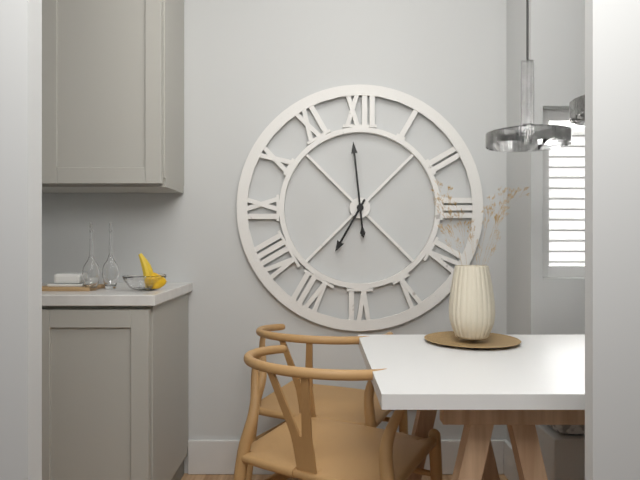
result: h=6 m=59
